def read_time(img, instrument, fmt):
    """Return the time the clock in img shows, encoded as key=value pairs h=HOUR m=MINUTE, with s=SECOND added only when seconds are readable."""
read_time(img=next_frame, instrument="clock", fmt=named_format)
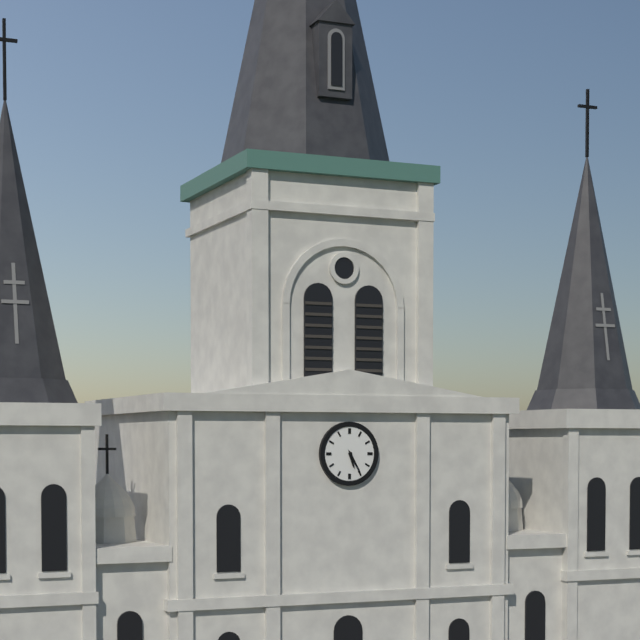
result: h=5 m=25
